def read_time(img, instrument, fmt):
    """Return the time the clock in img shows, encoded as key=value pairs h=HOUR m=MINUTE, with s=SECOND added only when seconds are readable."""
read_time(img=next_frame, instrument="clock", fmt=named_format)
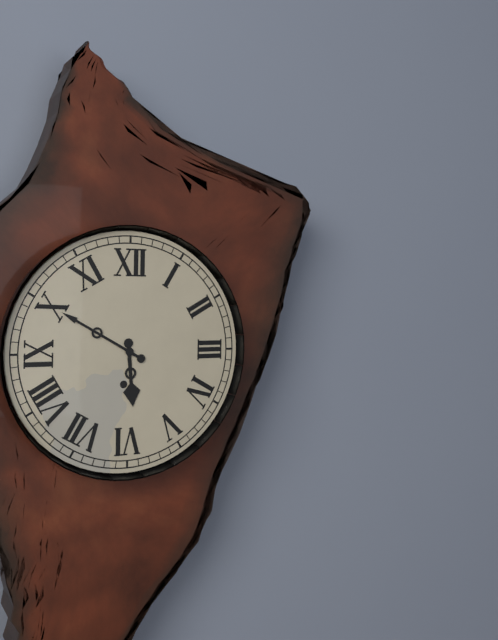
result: h=5 m=50
